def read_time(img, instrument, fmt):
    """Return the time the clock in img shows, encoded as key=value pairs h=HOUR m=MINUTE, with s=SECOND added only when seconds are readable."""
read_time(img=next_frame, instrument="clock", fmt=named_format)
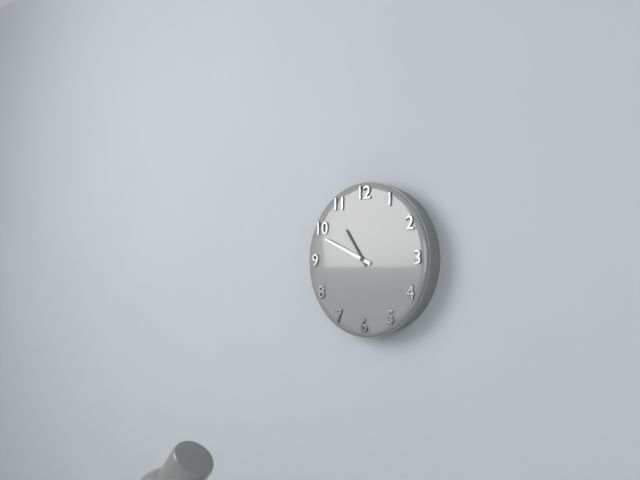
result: h=10 m=49
